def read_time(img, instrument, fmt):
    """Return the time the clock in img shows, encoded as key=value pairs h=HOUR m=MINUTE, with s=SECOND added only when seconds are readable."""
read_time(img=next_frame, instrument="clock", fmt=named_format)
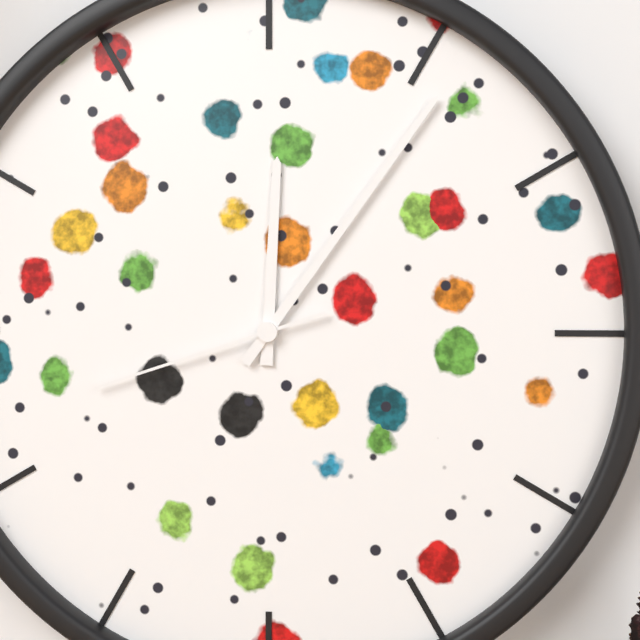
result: h=12 m=6 s=42
